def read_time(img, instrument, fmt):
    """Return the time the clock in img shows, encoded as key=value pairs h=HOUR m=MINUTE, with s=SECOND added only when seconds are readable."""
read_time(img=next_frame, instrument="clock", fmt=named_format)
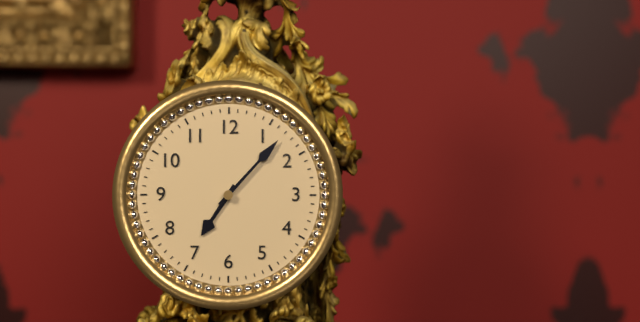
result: h=7 m=7
